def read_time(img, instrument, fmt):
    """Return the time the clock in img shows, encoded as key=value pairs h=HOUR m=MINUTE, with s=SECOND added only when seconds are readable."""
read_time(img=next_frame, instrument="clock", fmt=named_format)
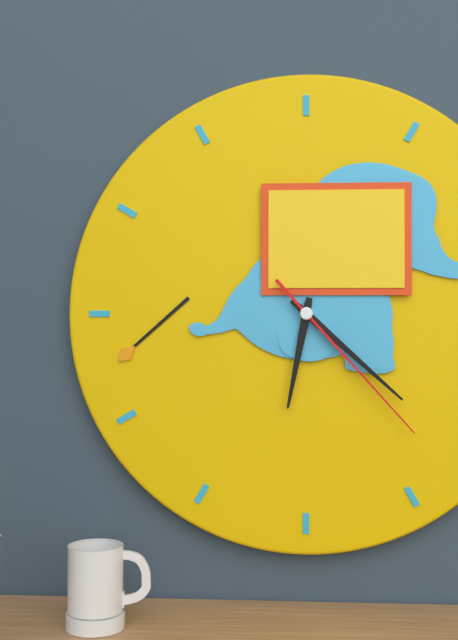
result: h=6 m=22 s=23
